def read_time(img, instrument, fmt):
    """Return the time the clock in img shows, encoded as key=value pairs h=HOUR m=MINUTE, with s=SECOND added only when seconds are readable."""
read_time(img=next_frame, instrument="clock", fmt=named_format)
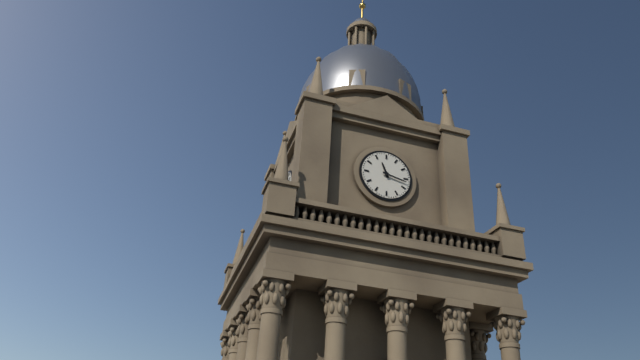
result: h=11 m=17
